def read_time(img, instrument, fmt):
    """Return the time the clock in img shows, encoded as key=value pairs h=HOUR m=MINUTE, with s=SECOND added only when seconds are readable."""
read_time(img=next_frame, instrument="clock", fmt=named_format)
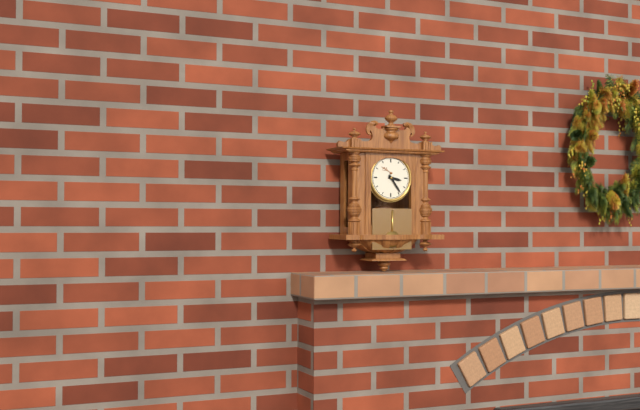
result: h=3 m=24
